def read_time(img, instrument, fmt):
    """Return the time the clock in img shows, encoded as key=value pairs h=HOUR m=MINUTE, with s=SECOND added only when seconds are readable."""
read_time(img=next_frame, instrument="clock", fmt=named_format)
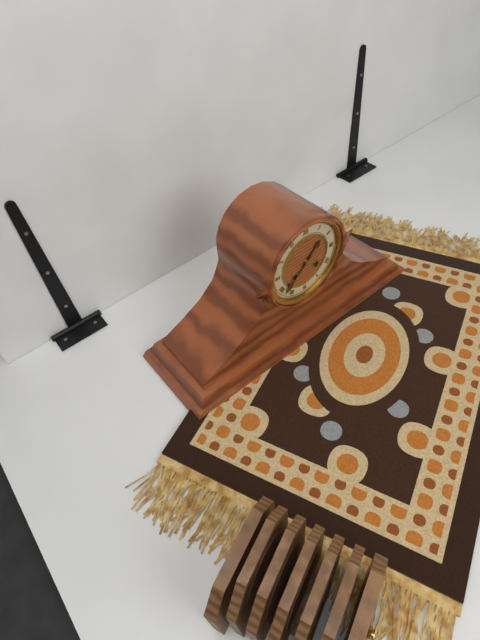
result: h=1 m=38
